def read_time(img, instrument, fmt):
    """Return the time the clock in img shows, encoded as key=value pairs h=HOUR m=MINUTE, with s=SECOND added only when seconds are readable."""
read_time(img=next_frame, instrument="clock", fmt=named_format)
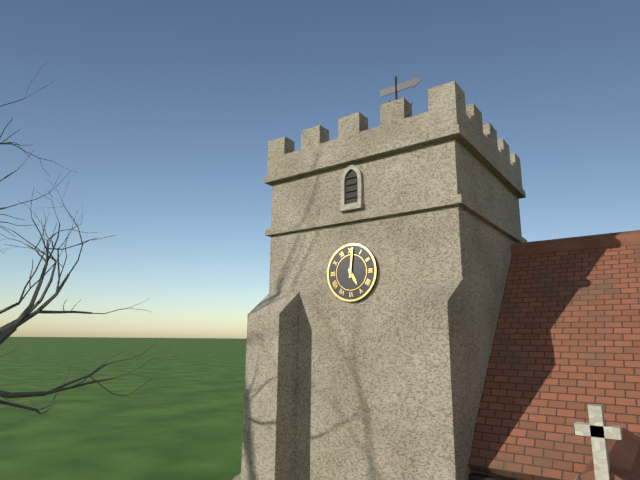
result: h=5 m=1
